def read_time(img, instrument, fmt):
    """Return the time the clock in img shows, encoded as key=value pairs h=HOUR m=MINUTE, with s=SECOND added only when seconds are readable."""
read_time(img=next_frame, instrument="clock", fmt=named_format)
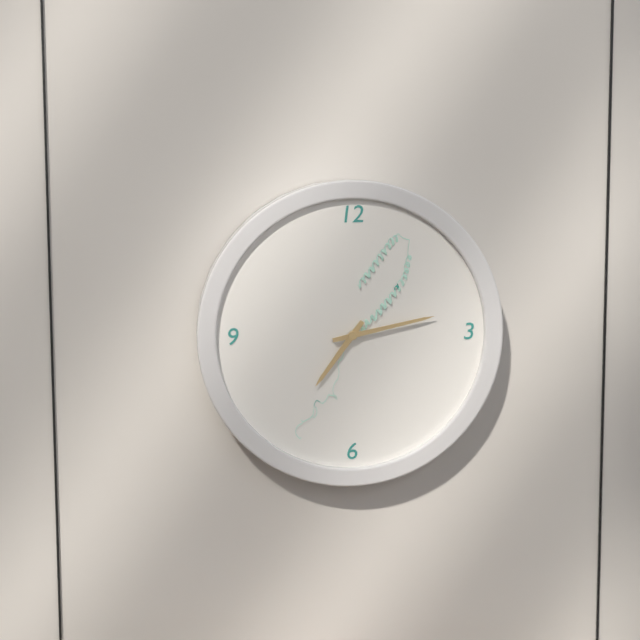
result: h=7 m=13
